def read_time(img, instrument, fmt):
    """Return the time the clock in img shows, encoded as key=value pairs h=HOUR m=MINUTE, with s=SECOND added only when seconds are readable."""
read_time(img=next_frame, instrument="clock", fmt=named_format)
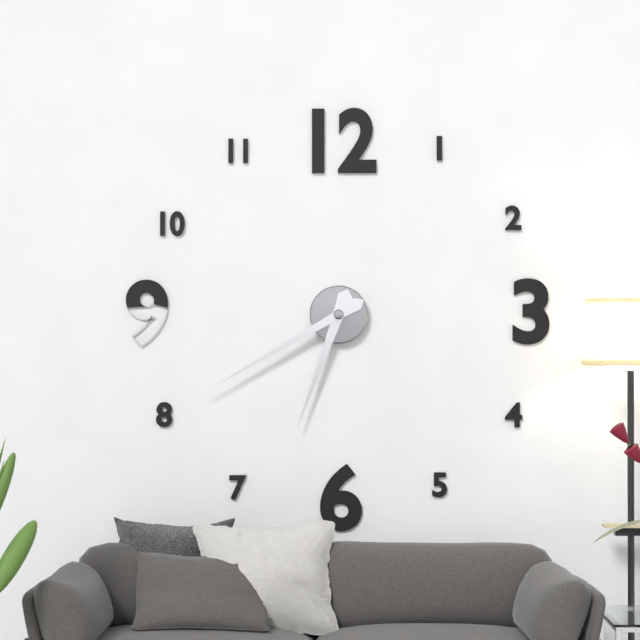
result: h=6 m=40
